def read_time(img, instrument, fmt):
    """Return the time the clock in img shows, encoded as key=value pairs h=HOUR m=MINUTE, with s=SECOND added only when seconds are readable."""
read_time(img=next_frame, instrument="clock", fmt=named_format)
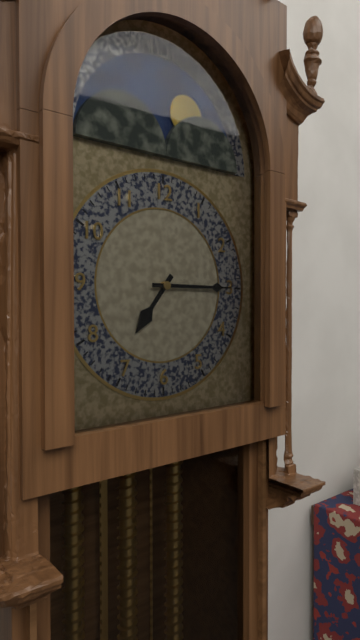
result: h=7 m=15
